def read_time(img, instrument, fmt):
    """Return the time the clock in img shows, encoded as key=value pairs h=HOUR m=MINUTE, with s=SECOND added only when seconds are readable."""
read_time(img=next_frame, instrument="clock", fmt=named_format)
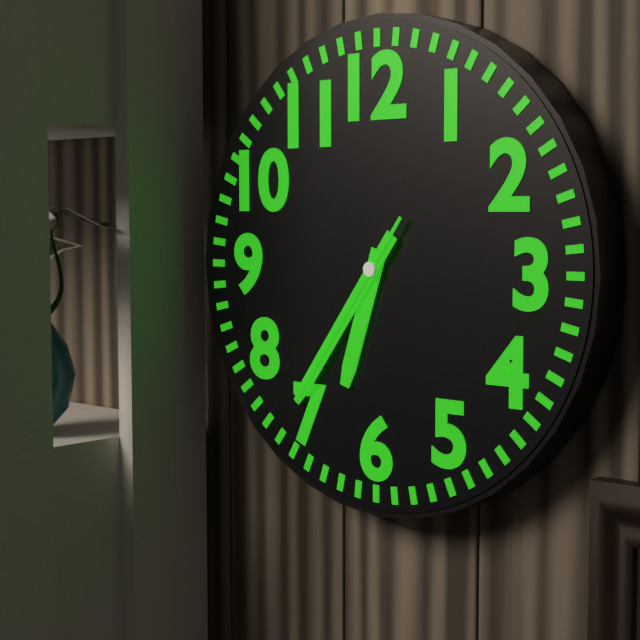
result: h=6 m=36 s=36
